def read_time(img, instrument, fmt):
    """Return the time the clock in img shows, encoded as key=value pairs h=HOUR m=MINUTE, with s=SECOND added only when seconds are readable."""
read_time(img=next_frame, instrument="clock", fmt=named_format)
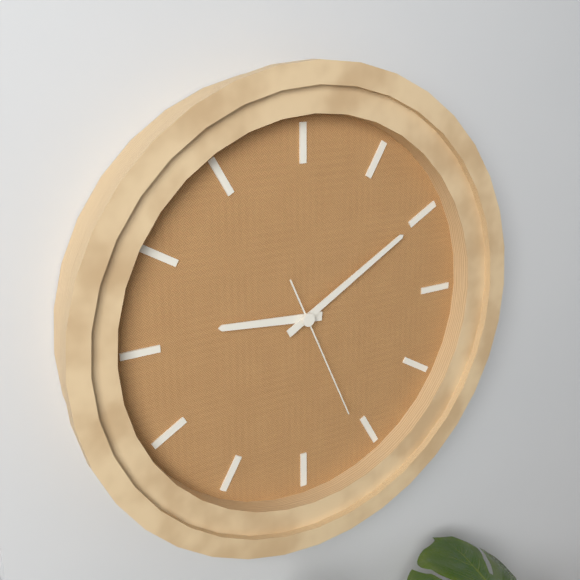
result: h=9 m=10 s=26
